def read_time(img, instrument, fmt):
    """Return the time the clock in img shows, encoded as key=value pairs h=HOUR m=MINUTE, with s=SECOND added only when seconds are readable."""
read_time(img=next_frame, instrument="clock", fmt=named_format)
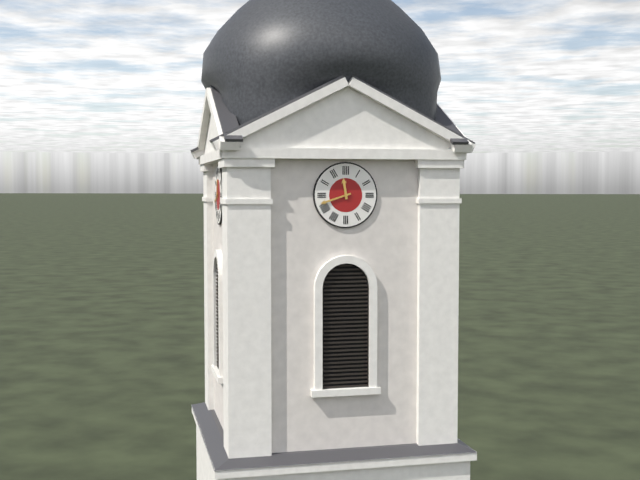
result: h=11 m=42
